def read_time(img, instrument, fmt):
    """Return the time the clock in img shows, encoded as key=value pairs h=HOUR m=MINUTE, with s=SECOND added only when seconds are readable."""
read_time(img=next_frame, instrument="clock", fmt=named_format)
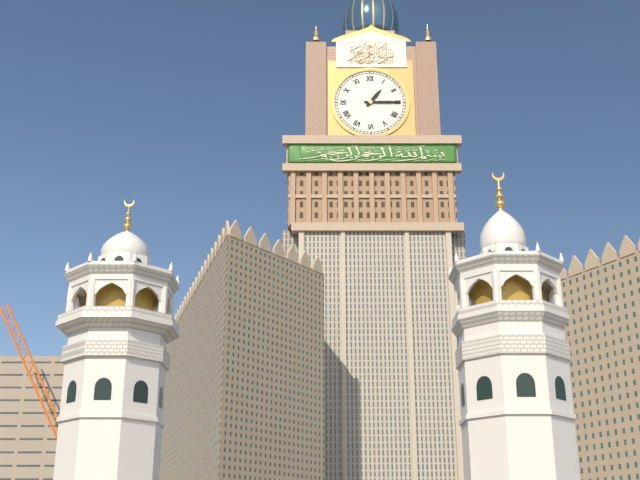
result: h=1 m=15
